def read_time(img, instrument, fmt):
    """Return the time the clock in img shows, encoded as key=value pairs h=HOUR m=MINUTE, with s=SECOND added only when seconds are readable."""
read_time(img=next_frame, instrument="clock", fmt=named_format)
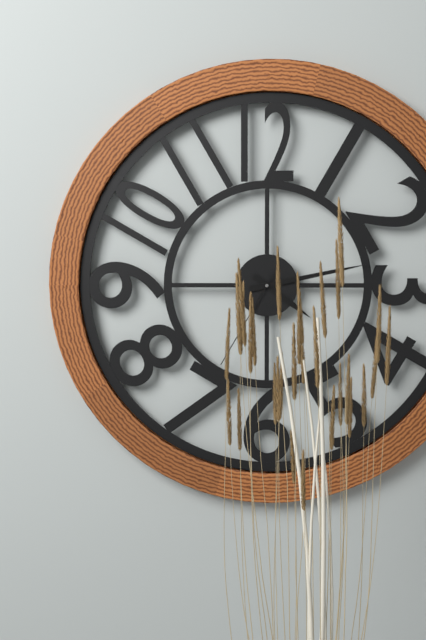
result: h=4 m=13 s=35
